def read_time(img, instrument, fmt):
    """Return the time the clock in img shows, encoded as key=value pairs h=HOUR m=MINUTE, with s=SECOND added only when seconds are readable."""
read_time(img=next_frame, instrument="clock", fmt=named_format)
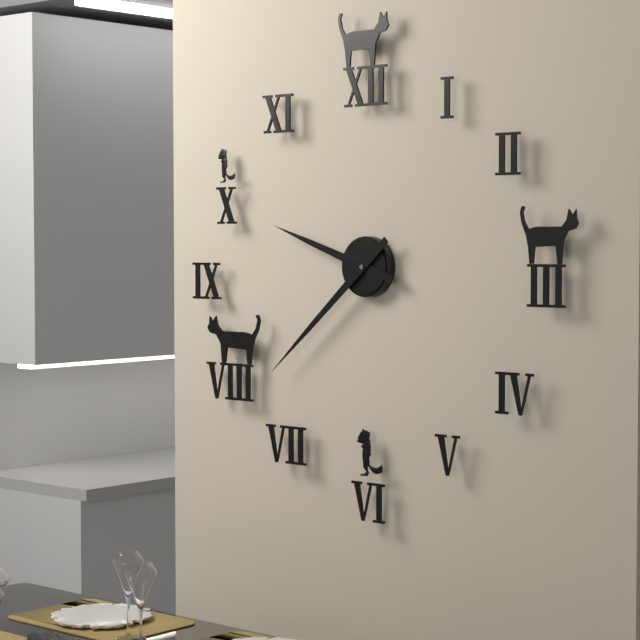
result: h=9 m=38
